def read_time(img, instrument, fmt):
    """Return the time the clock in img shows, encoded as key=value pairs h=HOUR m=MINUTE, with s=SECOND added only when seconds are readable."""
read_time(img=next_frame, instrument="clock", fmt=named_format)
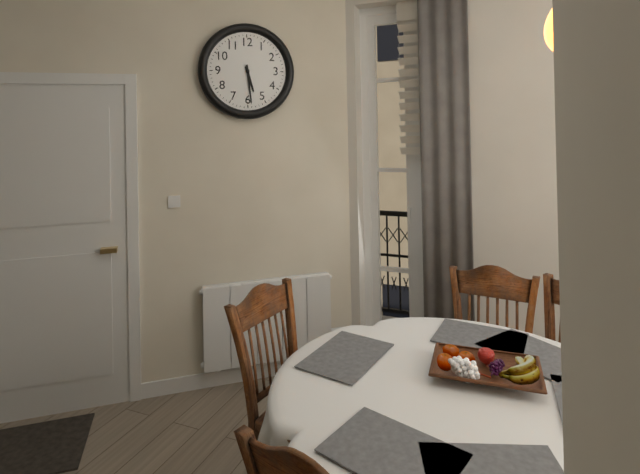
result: h=5 m=29
